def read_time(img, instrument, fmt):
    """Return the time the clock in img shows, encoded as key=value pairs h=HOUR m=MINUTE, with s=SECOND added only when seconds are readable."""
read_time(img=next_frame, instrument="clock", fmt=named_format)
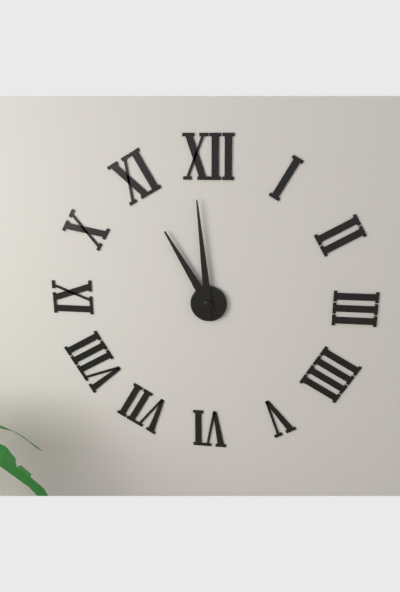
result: h=10 m=59
